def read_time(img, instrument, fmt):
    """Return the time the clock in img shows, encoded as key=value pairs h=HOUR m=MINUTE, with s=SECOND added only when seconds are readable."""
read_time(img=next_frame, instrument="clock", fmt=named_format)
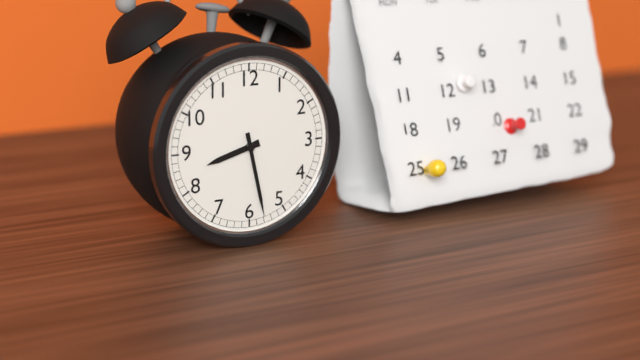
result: h=8 m=28
